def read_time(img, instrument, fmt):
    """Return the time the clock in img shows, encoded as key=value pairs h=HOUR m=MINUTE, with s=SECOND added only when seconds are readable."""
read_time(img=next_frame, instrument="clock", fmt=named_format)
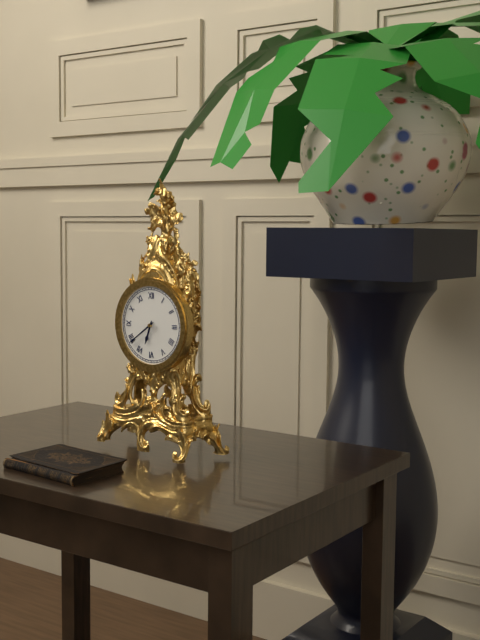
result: h=6 m=39
